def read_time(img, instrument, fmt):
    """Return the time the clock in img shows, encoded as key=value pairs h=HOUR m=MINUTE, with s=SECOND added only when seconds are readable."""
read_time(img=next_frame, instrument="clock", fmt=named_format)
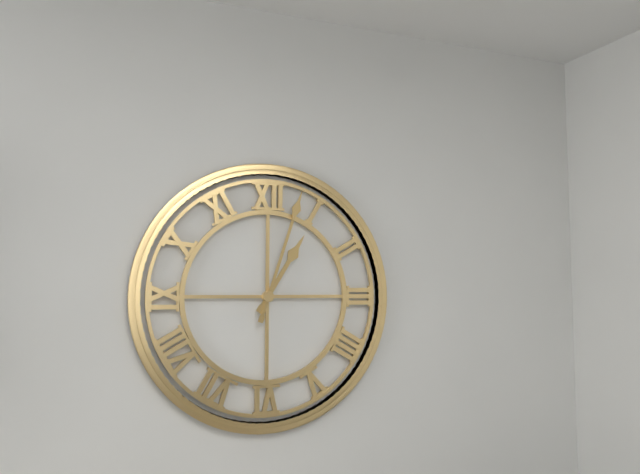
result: h=1 m=3
